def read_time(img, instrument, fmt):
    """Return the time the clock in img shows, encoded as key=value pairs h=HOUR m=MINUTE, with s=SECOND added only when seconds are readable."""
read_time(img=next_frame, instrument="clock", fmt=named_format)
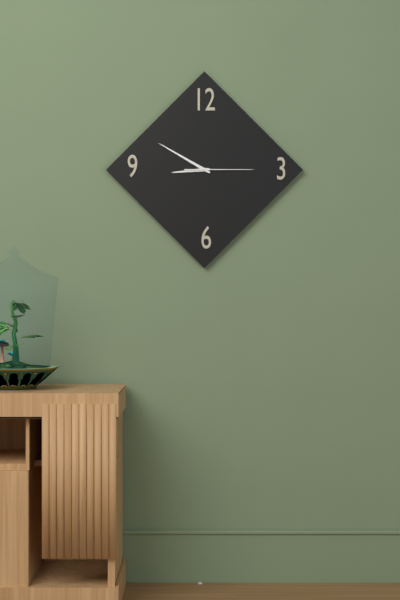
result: h=8 m=50 s=15
